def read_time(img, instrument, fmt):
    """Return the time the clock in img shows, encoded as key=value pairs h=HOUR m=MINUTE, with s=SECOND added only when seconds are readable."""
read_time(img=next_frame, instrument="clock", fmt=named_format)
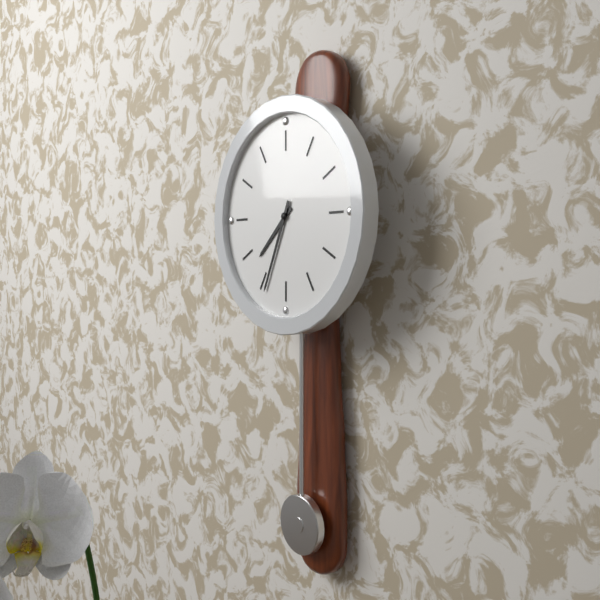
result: h=7 m=34
